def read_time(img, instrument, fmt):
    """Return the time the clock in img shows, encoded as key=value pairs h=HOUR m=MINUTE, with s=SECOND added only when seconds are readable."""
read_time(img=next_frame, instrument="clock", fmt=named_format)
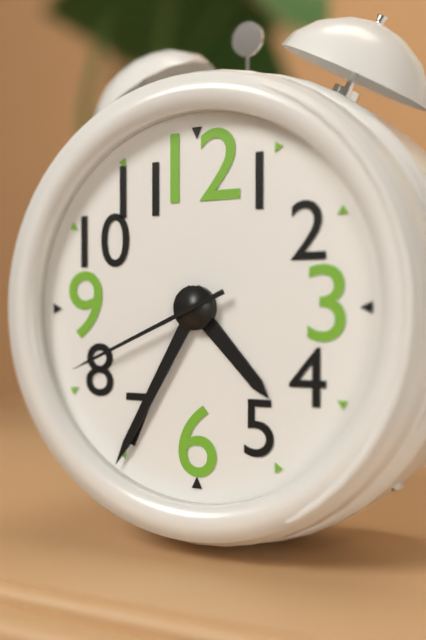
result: h=4 m=35 s=41
